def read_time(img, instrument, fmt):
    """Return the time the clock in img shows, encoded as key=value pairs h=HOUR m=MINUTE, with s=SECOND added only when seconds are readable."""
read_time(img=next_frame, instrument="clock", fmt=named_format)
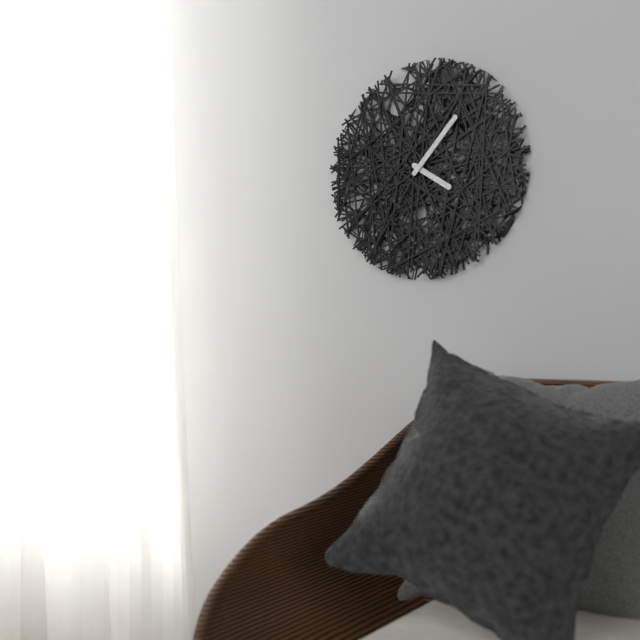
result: h=4 m=7
